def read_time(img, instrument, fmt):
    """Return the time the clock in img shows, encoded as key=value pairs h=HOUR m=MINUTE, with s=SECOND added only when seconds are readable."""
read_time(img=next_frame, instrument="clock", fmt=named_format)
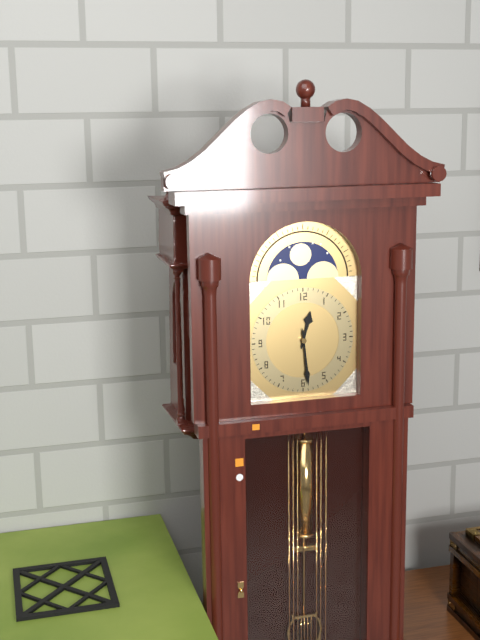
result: h=12 m=29
